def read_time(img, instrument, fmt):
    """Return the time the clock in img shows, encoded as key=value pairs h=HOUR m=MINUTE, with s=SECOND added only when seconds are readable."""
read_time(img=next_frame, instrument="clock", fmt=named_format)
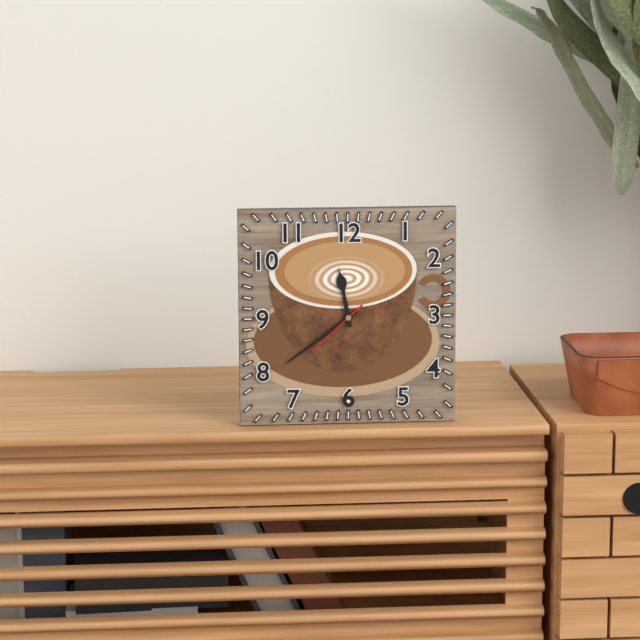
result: h=11 m=39 s=38
